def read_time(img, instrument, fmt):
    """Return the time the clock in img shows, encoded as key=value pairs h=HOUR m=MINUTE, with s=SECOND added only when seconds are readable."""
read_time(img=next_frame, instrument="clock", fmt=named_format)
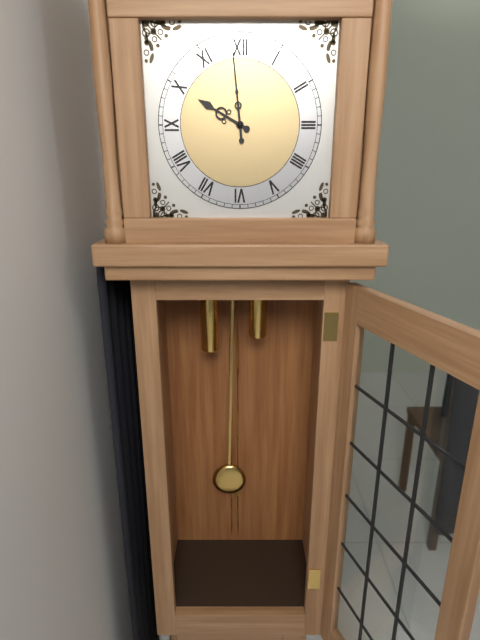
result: h=9 m=59
